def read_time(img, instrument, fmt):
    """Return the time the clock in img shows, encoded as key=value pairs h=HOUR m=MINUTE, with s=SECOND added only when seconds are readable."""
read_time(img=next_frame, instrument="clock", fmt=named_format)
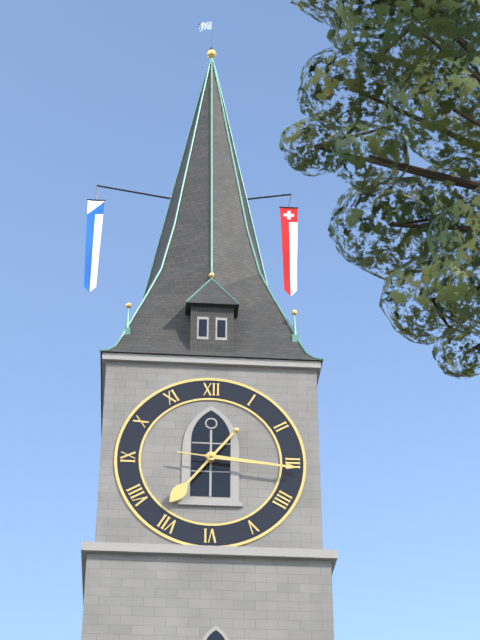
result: h=7 m=16
